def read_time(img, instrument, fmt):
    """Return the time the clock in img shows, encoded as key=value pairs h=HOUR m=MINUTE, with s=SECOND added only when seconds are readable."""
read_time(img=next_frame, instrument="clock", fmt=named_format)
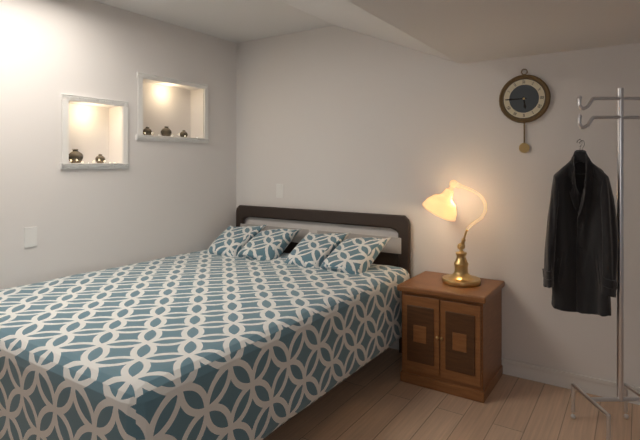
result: h=5 m=45
